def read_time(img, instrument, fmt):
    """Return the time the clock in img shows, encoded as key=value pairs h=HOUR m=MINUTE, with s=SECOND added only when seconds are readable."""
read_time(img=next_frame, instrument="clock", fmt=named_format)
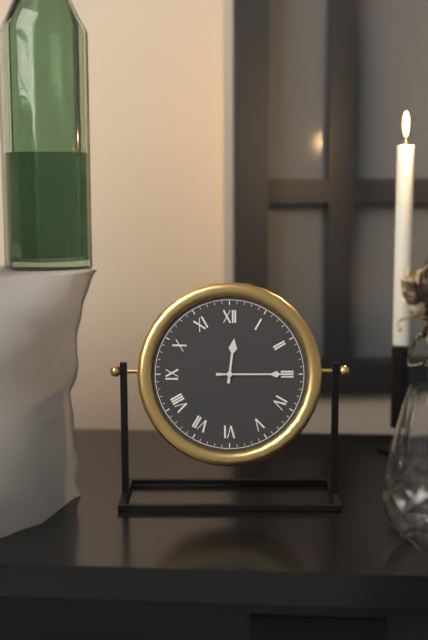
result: h=12 m=15
